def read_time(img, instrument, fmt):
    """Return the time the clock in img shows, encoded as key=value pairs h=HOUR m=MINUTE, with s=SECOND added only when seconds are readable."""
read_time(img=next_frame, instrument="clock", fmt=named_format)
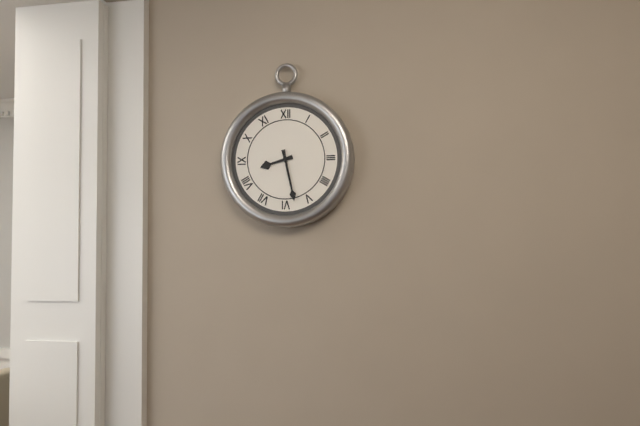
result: h=8 m=28
